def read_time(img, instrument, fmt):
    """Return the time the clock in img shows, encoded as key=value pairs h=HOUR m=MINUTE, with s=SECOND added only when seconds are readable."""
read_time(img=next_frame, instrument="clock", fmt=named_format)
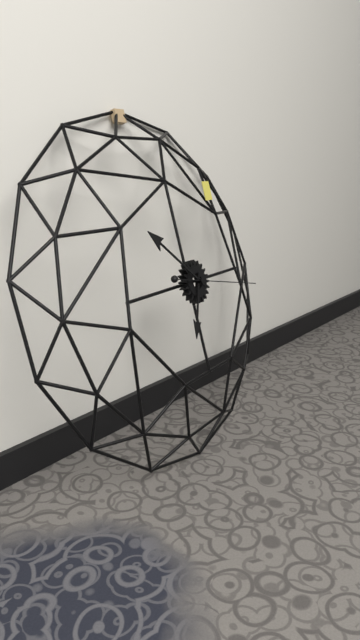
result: h=6 m=52 s=17
